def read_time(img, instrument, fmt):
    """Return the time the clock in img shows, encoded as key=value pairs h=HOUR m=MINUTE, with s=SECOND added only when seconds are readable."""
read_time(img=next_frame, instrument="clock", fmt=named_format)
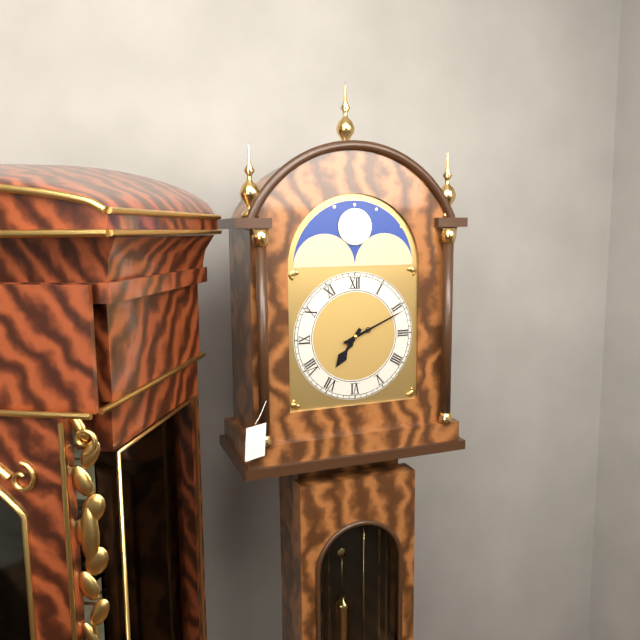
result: h=7 m=11
